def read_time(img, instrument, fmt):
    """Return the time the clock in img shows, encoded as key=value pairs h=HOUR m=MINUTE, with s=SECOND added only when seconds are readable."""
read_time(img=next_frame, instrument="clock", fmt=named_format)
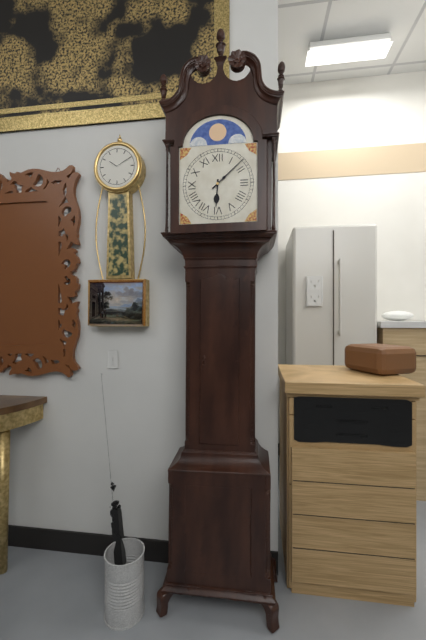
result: h=6 m=8
